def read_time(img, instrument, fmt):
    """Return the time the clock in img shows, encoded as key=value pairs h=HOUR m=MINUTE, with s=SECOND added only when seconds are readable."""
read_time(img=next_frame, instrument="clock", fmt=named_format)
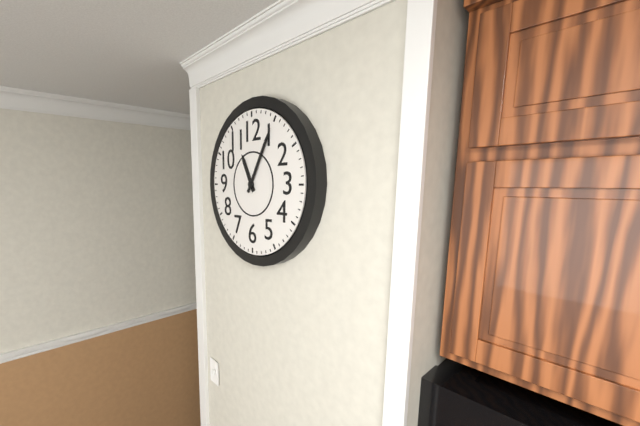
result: h=11 m=5
